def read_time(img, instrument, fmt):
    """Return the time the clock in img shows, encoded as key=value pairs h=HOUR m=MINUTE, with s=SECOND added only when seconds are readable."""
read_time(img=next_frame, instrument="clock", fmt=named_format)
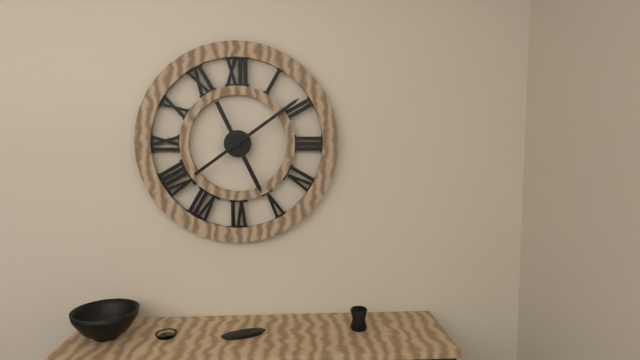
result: h=5 m=9
